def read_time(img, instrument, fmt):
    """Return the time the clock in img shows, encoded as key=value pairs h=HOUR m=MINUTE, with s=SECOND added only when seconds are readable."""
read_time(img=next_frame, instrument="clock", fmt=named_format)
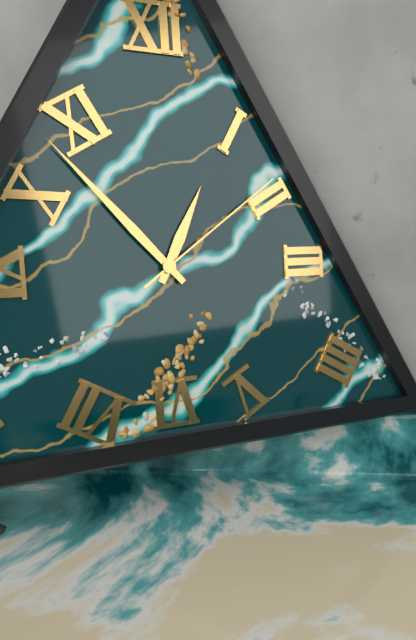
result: h=12 m=53 s=9
